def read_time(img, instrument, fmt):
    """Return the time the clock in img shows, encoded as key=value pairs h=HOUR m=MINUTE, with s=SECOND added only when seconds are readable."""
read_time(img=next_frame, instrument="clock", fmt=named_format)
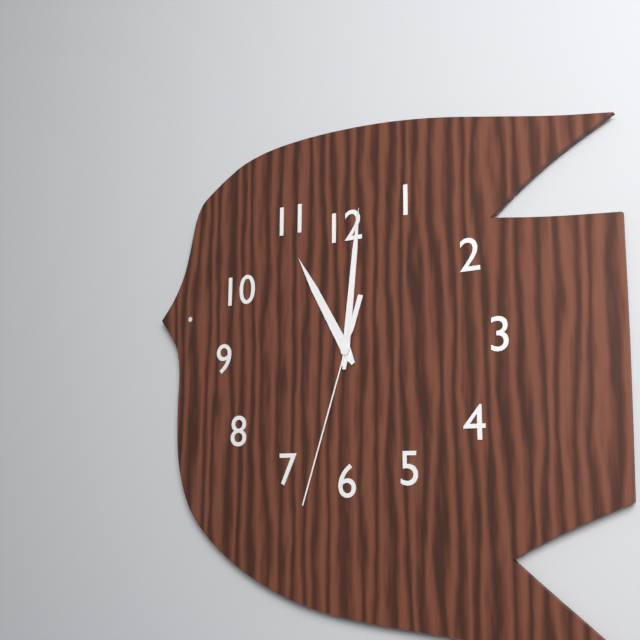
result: h=11 m=1 s=33
